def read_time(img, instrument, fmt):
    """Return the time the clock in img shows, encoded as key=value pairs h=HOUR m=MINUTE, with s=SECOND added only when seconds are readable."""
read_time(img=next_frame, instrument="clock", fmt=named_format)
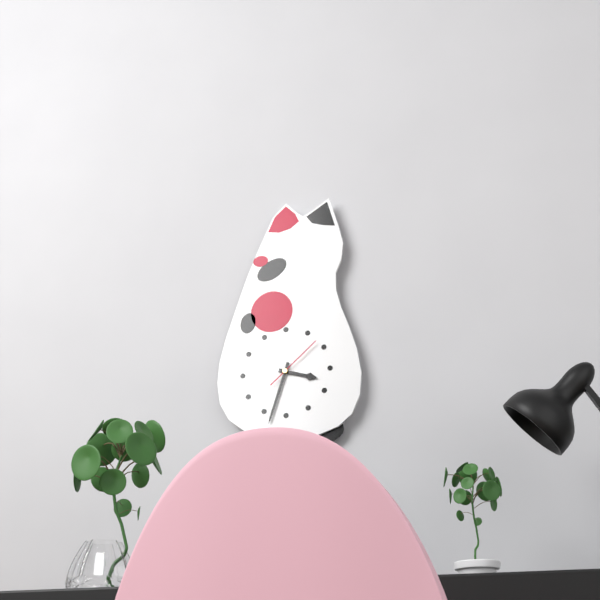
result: h=3 m=33 s=8
